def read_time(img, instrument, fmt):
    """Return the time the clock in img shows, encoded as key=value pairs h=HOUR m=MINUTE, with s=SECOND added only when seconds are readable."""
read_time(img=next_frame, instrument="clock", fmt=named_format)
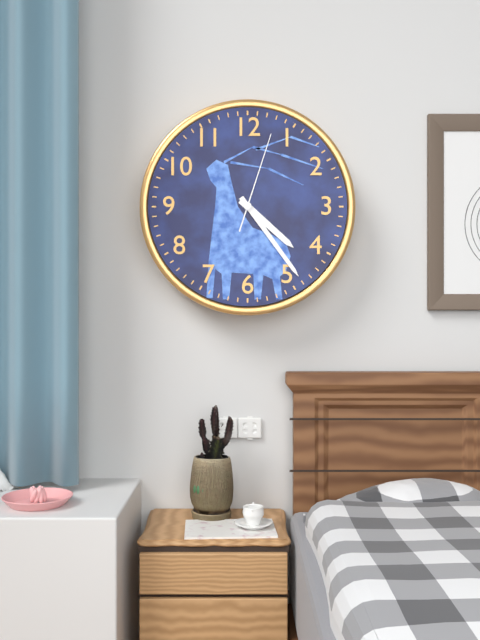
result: h=4 m=24 s=3
